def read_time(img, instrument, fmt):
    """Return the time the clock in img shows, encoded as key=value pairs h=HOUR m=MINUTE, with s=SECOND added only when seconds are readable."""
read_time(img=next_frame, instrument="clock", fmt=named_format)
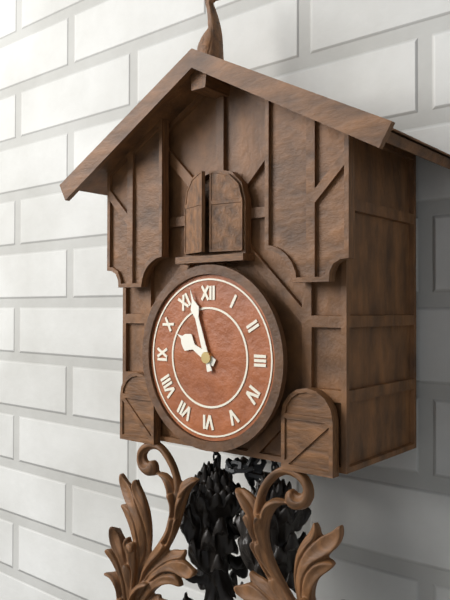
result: h=9 m=57
